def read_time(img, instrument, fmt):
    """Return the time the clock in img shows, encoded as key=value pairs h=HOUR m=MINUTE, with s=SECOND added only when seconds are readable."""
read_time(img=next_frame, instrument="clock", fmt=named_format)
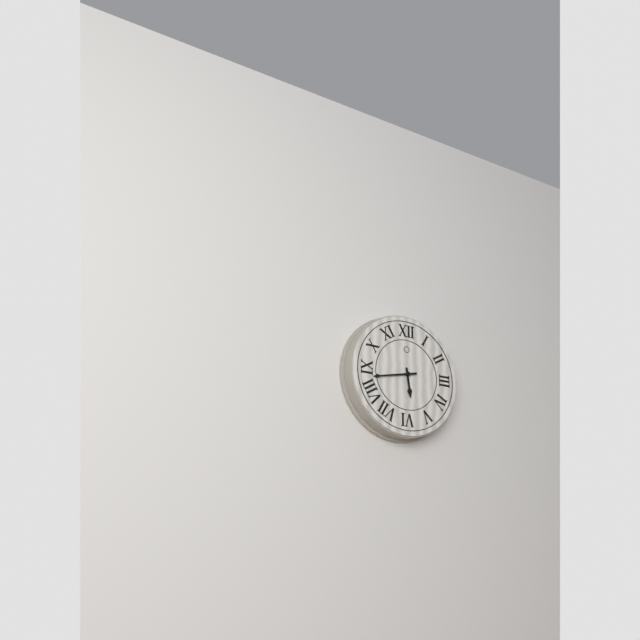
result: h=5 m=43
